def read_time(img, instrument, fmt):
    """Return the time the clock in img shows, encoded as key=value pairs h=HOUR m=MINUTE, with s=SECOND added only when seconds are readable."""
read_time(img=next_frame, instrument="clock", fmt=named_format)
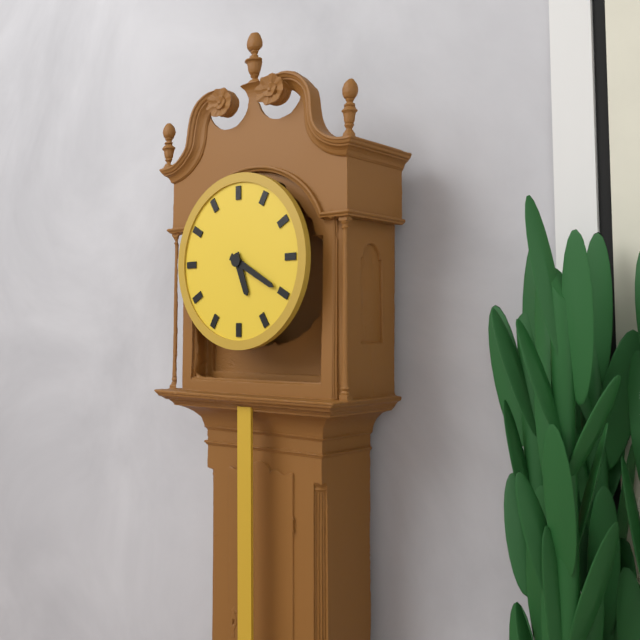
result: h=5 m=20
